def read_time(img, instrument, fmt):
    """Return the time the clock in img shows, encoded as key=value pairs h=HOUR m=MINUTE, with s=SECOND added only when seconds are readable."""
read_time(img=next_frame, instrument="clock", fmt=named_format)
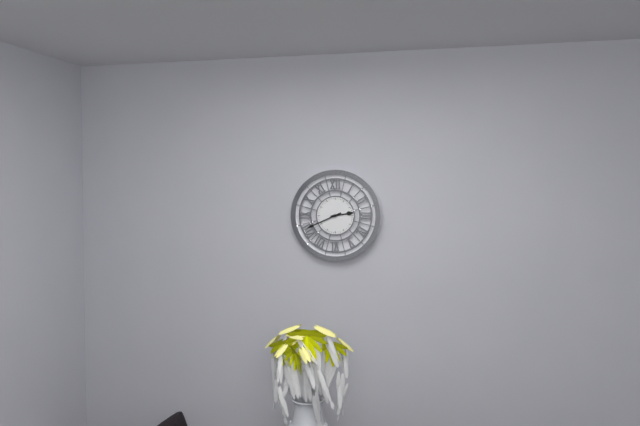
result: h=2 m=41
